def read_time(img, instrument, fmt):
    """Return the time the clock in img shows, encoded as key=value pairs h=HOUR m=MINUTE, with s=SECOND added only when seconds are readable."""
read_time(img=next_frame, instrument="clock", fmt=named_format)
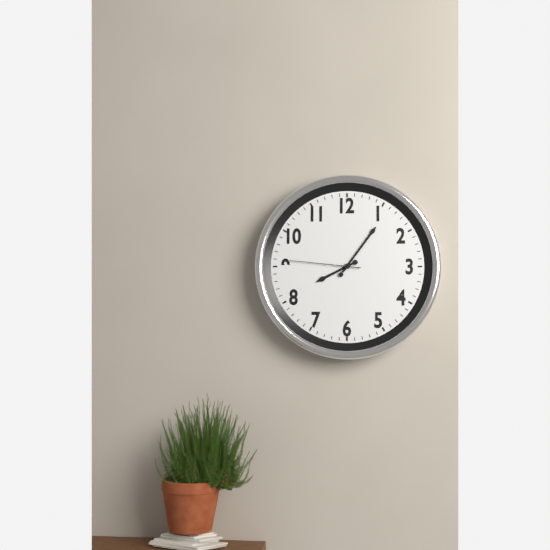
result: h=8 m=6 s=46
